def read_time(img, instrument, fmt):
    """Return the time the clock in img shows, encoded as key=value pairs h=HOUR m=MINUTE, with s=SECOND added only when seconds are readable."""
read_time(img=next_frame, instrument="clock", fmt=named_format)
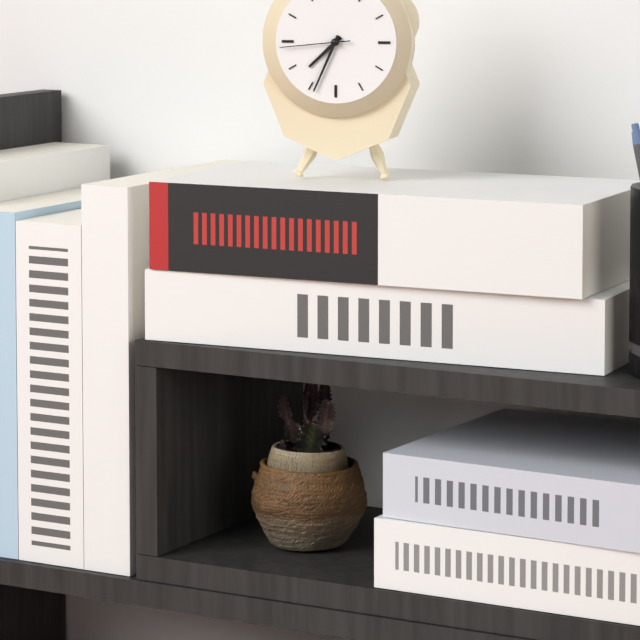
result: h=7 m=34 s=44
